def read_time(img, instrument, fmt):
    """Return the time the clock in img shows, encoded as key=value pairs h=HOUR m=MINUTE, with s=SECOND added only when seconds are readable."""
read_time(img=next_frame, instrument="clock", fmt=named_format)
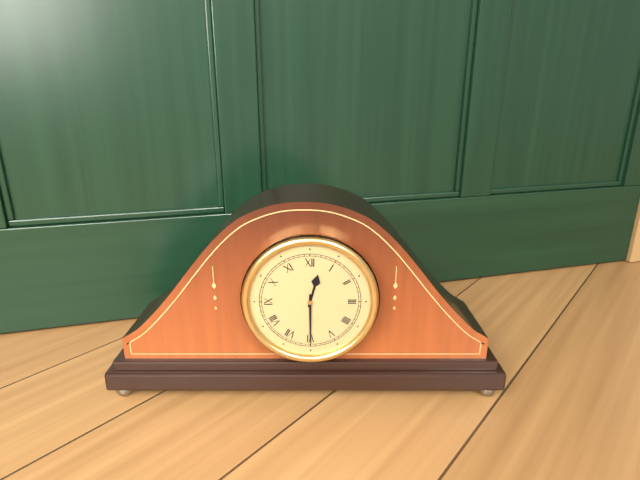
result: h=12 m=30
